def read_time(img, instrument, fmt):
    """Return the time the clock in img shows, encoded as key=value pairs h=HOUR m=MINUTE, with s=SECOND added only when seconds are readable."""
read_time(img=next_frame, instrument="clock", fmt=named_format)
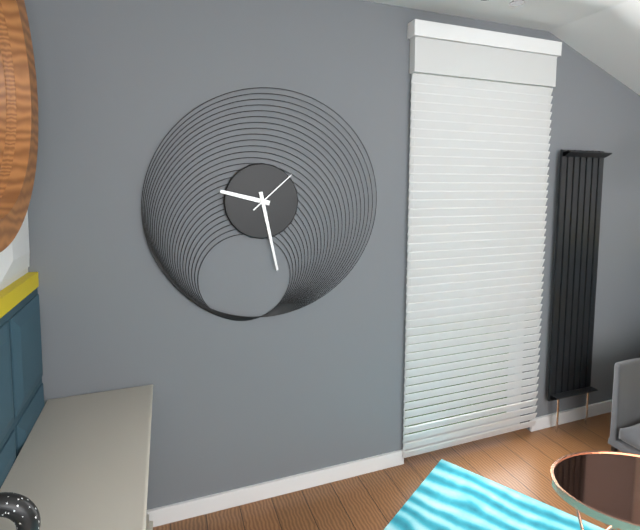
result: h=9 m=28
